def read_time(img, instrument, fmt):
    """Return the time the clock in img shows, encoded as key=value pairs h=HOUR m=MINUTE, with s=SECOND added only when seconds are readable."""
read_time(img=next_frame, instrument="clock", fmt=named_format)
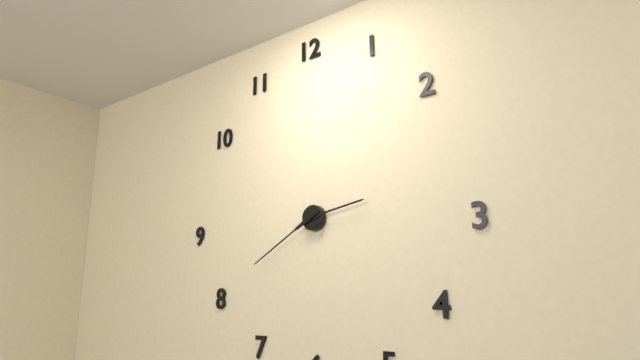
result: h=2 m=40
